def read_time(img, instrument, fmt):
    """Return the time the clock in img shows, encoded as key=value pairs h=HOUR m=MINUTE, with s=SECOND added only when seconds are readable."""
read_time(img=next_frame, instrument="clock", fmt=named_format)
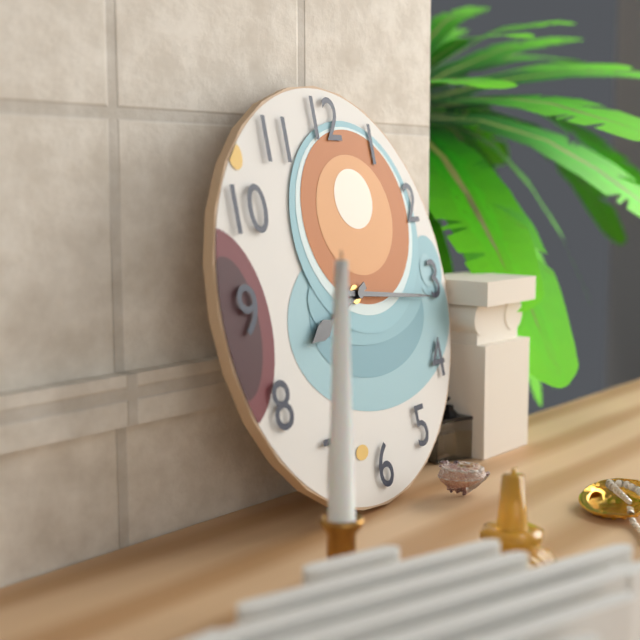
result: h=8 m=16
